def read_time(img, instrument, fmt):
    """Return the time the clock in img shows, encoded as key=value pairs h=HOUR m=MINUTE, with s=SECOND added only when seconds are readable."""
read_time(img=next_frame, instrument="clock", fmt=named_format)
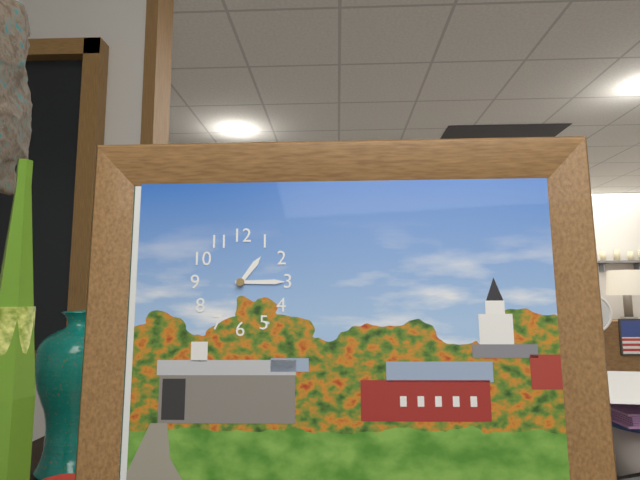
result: h=1 m=15
